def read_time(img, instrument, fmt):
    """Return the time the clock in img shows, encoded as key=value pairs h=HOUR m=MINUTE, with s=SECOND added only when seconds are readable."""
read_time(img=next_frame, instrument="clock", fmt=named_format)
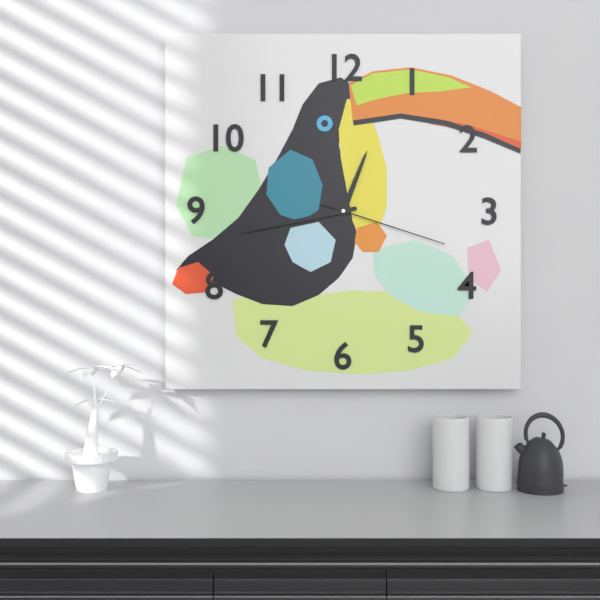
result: h=12 m=43 s=18
